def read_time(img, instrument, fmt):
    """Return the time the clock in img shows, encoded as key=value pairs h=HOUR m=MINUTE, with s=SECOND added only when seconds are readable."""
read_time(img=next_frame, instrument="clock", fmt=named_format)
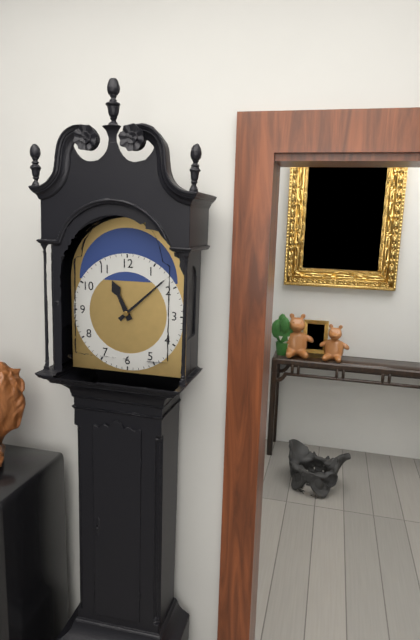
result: h=11 m=8
